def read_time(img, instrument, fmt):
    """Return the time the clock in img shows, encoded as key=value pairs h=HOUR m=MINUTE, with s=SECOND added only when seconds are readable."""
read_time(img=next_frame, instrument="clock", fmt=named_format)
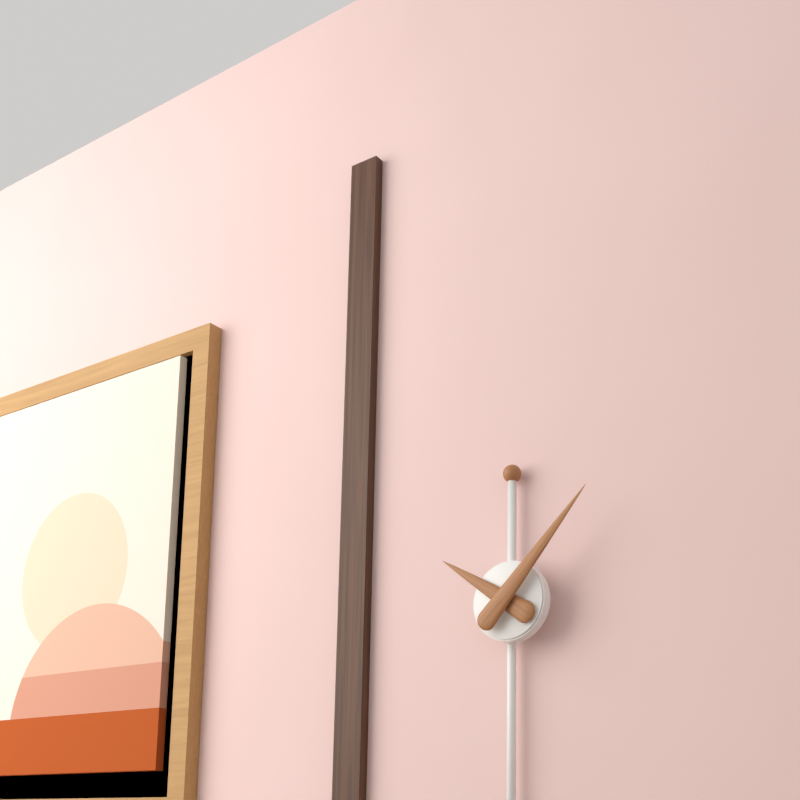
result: h=10 m=7
